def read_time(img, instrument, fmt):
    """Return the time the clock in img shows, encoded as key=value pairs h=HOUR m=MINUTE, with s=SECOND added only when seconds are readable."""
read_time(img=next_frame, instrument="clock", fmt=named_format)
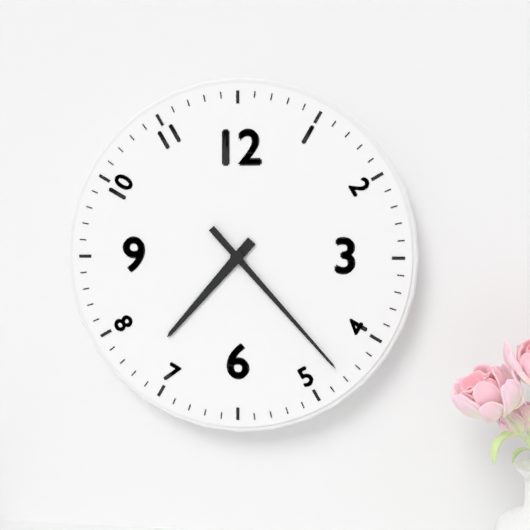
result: h=7 m=23
